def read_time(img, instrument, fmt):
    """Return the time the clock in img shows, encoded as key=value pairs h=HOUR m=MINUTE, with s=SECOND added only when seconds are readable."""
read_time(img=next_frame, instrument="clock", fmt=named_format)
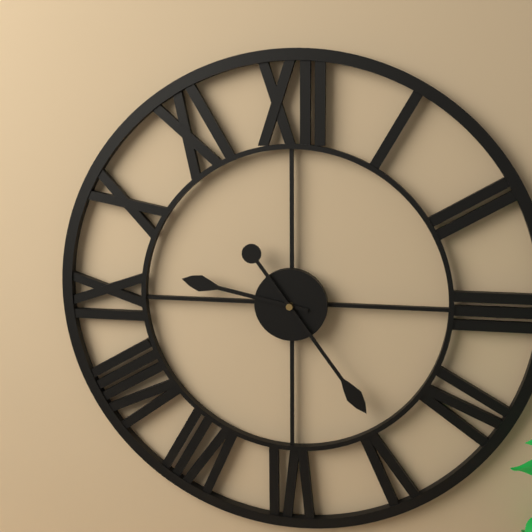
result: h=9 m=24
